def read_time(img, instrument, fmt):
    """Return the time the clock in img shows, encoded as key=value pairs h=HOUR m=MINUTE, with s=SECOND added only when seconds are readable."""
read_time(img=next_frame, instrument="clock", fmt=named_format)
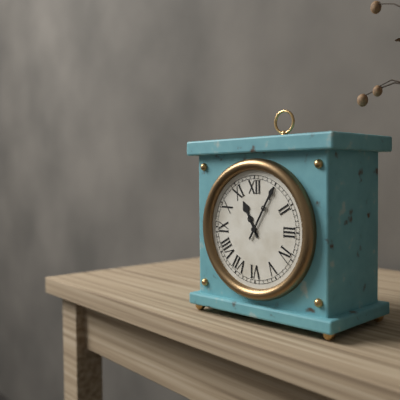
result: h=11 m=5
